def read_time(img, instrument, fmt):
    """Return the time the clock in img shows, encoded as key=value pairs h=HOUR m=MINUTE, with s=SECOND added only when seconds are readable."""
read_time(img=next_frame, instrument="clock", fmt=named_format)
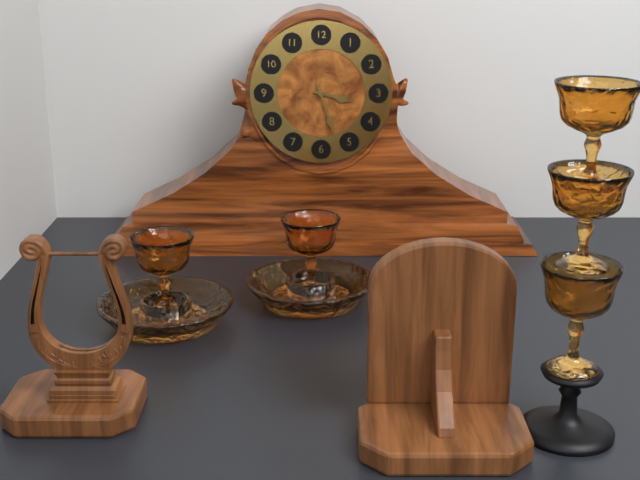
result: h=3 m=27
